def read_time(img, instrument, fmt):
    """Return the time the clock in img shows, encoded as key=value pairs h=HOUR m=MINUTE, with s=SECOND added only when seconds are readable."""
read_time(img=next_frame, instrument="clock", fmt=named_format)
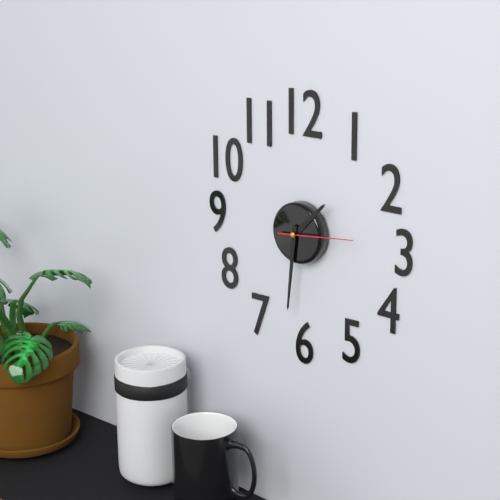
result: h=1 m=31 s=14
